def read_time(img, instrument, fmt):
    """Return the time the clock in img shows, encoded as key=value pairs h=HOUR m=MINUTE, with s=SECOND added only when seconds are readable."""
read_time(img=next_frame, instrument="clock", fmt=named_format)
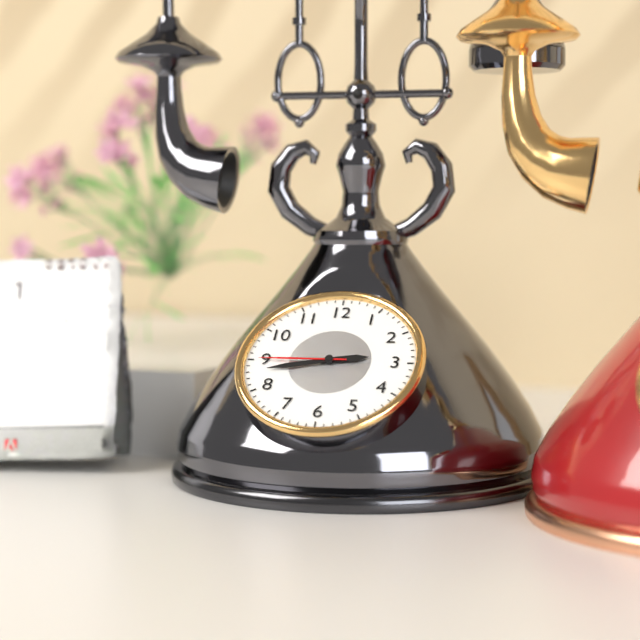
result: h=2 m=43 s=45
